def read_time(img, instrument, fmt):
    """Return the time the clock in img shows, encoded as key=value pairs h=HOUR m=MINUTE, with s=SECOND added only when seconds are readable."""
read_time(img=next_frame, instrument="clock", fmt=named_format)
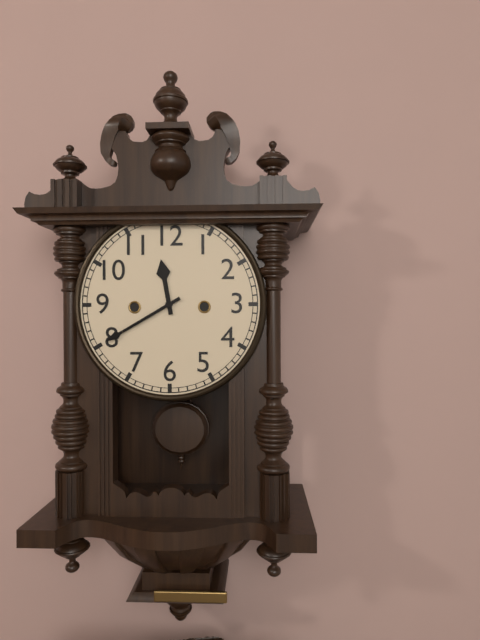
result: h=11 m=40
